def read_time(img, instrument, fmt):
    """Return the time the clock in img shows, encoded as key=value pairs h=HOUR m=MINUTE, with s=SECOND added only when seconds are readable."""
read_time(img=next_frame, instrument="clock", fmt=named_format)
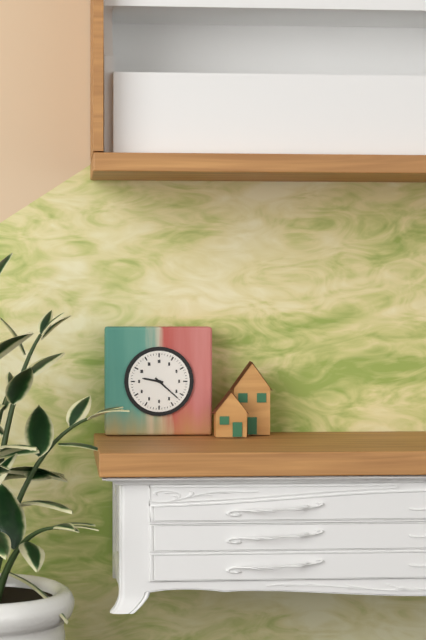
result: h=9 m=22
